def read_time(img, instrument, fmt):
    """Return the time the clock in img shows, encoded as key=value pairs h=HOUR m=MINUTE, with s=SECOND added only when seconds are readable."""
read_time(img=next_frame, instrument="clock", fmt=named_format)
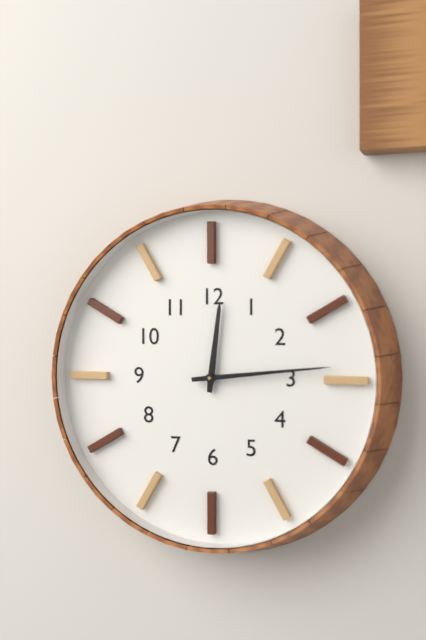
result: h=12 m=14
